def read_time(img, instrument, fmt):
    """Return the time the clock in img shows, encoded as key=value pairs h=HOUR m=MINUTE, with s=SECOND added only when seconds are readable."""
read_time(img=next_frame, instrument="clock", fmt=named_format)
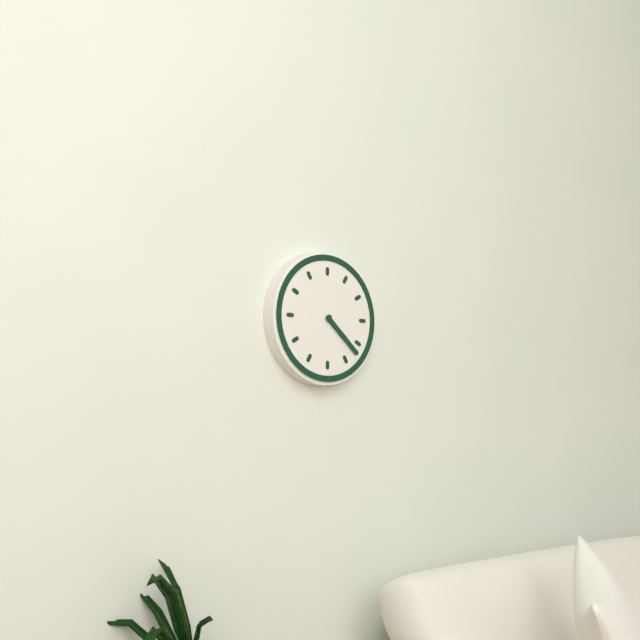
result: h=4 m=22
